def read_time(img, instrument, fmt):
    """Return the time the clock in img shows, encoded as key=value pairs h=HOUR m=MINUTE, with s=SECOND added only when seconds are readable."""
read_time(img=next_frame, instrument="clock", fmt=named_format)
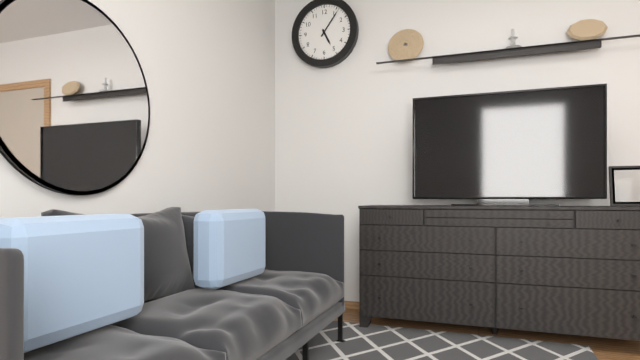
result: h=5 m=6
